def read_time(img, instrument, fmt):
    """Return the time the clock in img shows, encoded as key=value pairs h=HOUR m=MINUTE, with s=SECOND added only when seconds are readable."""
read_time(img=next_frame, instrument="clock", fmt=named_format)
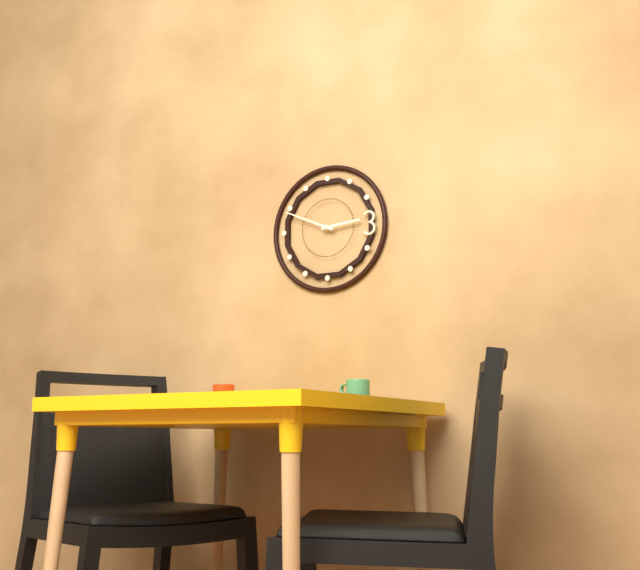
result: h=2 m=49
